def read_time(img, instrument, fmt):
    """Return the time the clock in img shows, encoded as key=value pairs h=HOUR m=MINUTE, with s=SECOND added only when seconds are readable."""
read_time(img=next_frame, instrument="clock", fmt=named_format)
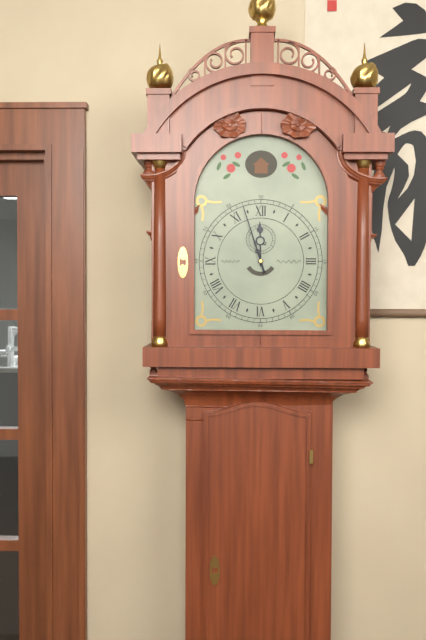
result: h=11 m=57
